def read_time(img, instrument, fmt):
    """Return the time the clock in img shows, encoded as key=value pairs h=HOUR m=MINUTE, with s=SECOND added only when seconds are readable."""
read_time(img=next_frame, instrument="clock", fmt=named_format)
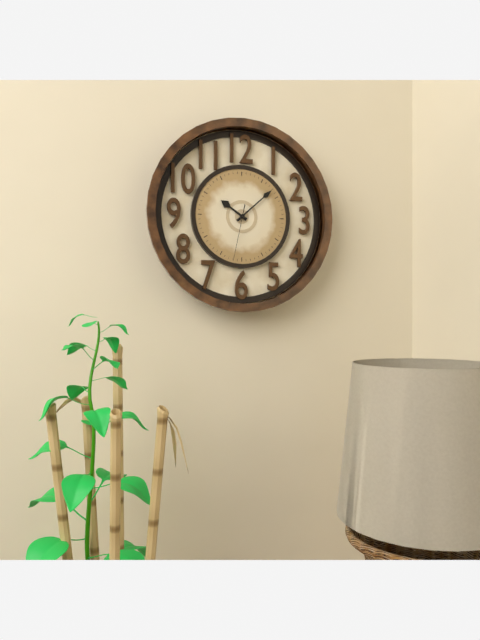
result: h=10 m=8 s=32
